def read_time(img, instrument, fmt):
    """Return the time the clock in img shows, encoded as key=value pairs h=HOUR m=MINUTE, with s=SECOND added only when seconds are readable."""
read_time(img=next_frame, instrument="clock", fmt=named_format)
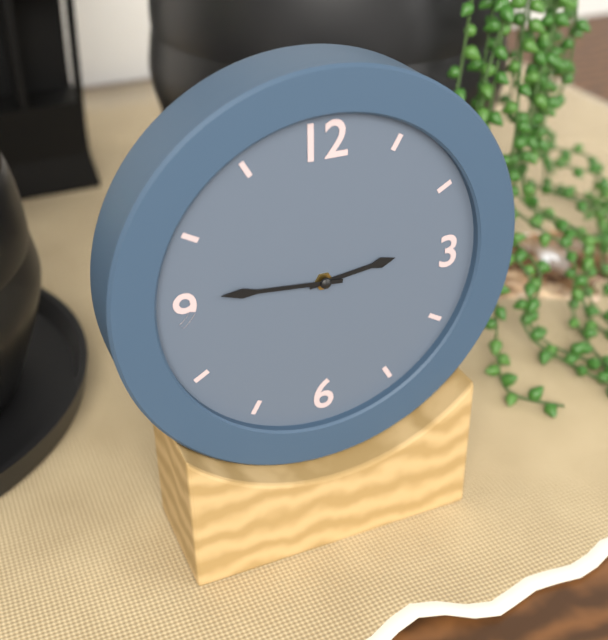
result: h=2 m=46
